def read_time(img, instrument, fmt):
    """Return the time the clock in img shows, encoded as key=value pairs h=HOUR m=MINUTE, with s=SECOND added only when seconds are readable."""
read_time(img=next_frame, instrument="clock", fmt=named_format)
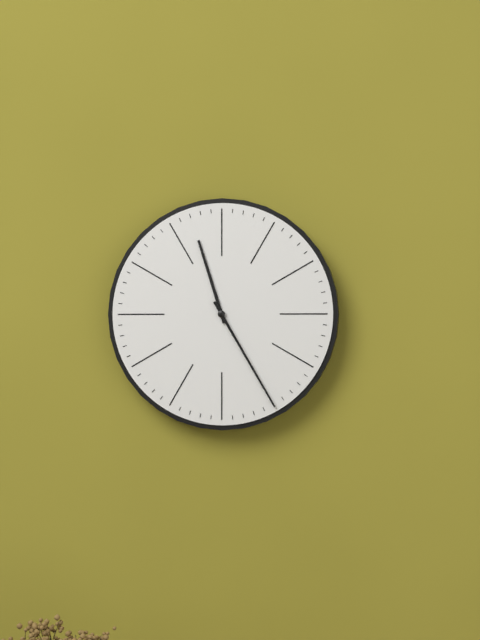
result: h=11 m=25
